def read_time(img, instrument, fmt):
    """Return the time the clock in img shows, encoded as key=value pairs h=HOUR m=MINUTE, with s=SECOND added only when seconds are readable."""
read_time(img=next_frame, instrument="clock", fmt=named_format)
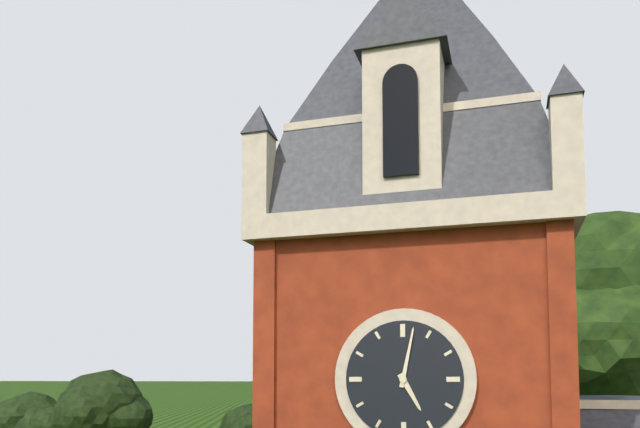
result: h=5 m=2
